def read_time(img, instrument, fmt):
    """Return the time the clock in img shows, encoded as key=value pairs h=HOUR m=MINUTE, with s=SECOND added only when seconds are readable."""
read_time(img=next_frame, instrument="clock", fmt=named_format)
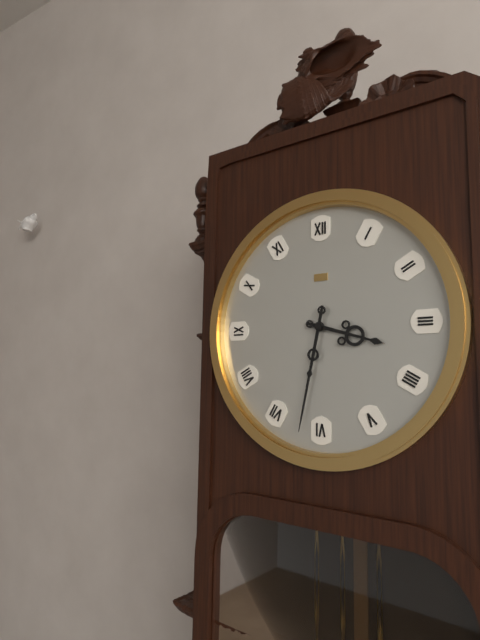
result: h=3 m=32
